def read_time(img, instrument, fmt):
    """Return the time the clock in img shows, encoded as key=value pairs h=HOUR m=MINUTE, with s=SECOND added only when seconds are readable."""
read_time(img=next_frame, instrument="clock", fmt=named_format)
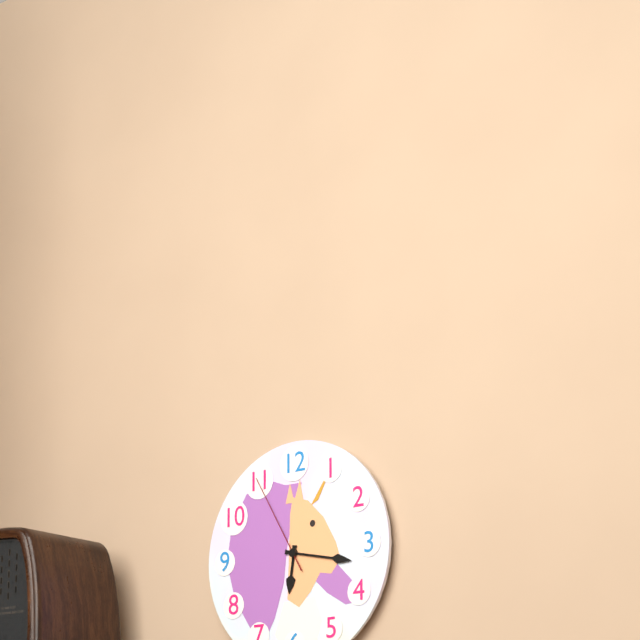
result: h=6 m=17 s=55
